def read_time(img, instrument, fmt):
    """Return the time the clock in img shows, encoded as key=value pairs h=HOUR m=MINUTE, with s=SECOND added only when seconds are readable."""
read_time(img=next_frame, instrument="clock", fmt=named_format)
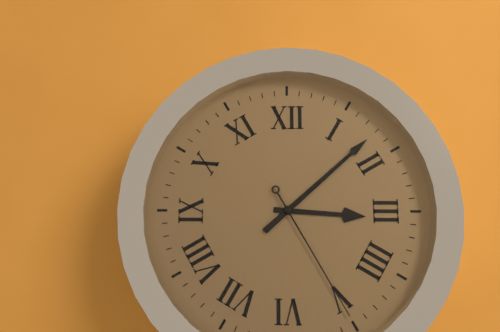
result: h=3 m=8 s=25
